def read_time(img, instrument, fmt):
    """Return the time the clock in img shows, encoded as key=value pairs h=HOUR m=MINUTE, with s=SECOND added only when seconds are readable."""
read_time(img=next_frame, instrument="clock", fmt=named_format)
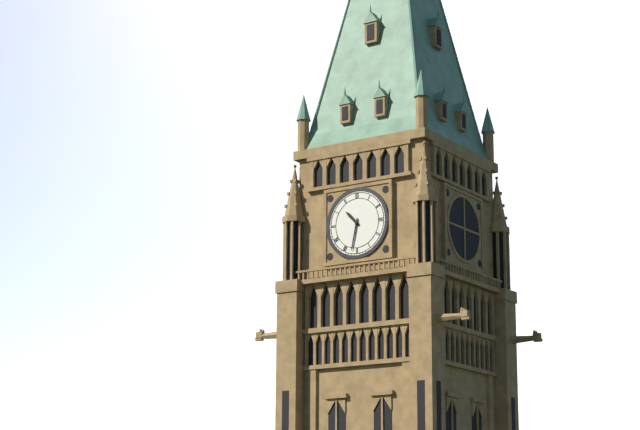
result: h=10 m=32
